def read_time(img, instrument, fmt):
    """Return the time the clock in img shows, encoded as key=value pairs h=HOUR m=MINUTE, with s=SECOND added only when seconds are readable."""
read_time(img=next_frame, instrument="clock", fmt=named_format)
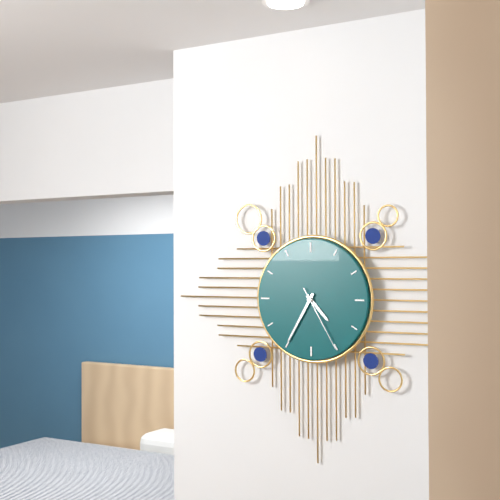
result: h=4 m=35 s=25
